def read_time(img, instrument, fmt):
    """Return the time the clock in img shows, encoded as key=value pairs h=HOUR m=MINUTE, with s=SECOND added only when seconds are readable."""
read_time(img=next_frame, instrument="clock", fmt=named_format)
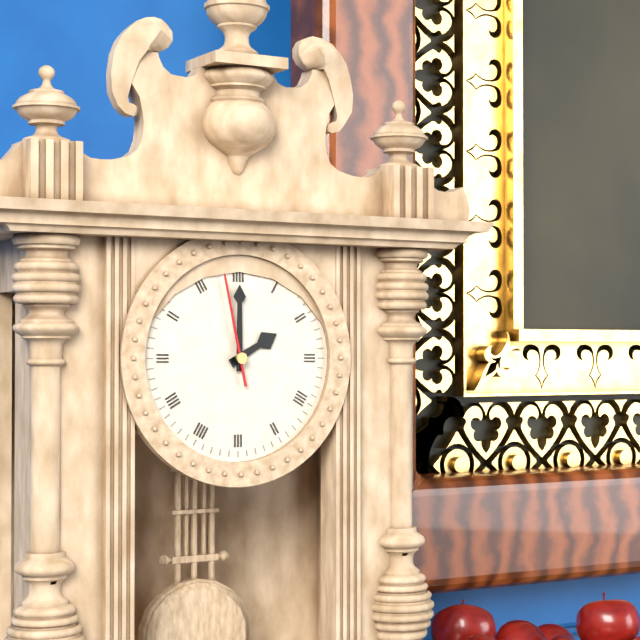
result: h=2 m=0 s=58
